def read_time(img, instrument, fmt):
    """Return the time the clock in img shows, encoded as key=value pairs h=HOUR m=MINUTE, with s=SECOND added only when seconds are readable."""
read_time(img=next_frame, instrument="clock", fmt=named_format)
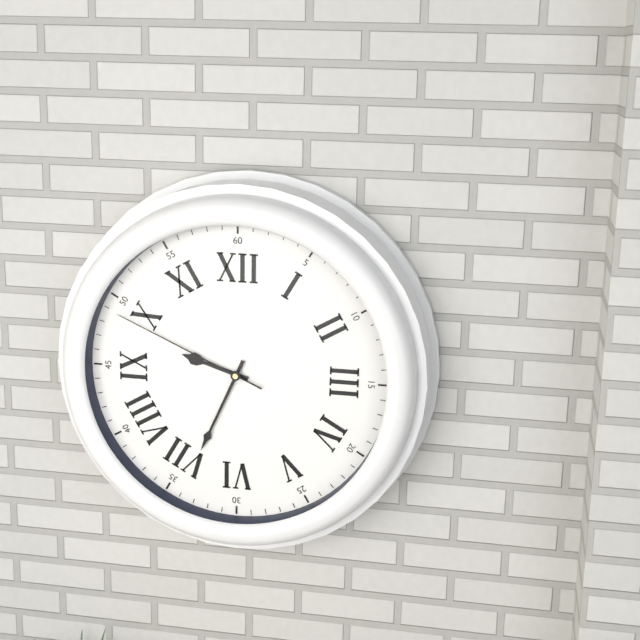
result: h=9 m=34 s=49
